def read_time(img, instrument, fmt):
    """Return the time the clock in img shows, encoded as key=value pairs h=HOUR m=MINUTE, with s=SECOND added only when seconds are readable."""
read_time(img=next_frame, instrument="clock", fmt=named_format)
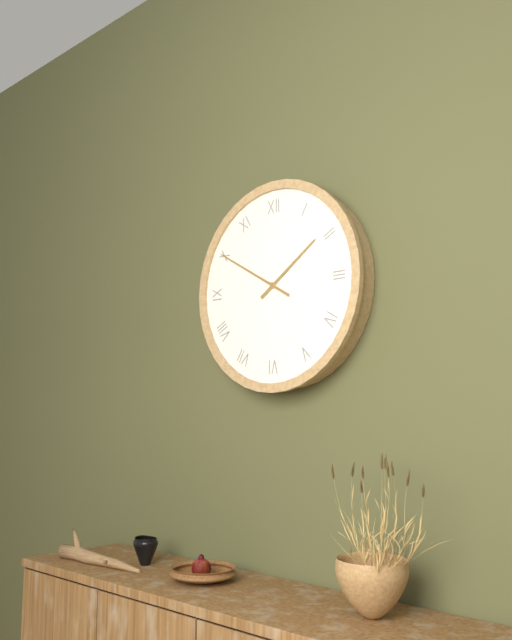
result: h=1 m=50
